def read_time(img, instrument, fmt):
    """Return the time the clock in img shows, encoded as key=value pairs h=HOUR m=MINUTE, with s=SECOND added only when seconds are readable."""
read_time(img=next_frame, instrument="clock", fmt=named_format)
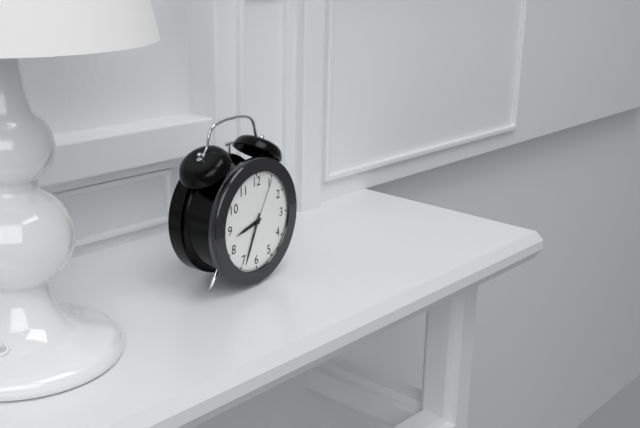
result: h=8 m=34 s=5
